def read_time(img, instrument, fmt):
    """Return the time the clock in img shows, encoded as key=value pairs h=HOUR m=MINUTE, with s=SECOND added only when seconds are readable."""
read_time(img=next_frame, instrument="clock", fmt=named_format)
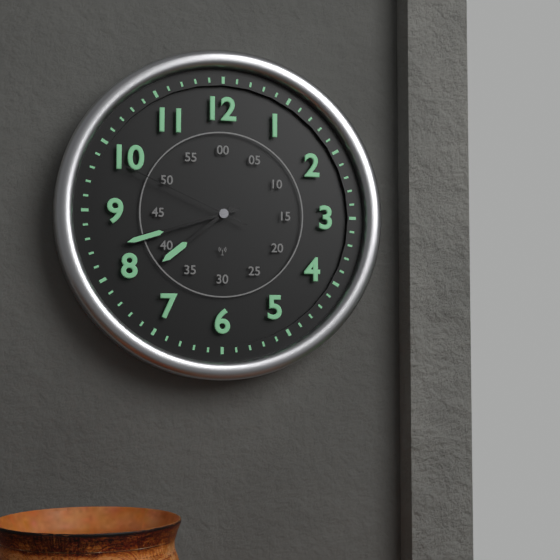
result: h=7 m=42 s=49
